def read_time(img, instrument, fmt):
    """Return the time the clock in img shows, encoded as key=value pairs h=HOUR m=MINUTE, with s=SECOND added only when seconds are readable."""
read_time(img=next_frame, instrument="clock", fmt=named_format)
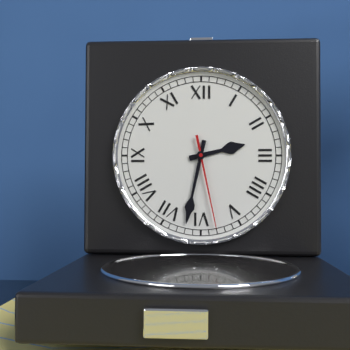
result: h=2 m=32 s=28
